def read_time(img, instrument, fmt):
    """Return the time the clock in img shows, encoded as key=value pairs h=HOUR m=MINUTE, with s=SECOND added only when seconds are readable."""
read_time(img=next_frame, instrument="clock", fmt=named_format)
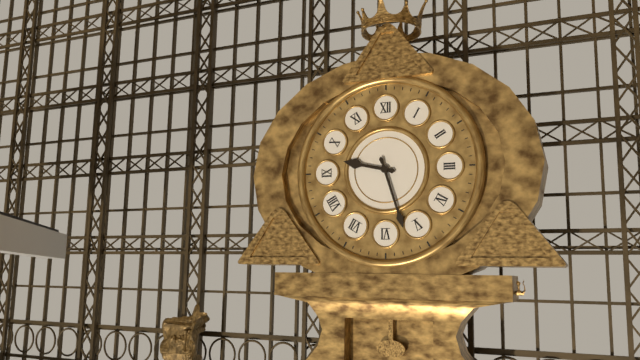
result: h=9 m=27
